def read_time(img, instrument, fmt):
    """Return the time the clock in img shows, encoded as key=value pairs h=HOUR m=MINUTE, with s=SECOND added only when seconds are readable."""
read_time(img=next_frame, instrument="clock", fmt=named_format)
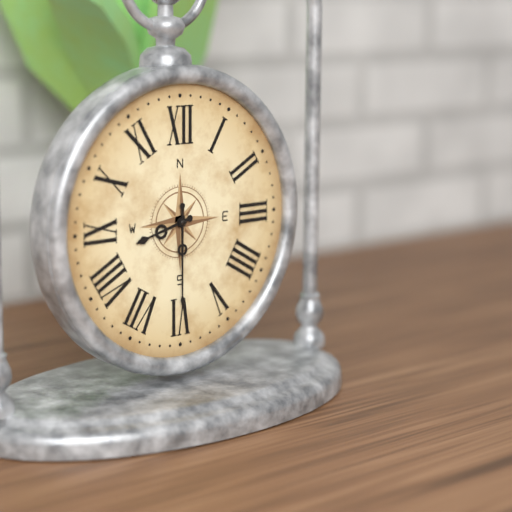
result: h=8 m=30
